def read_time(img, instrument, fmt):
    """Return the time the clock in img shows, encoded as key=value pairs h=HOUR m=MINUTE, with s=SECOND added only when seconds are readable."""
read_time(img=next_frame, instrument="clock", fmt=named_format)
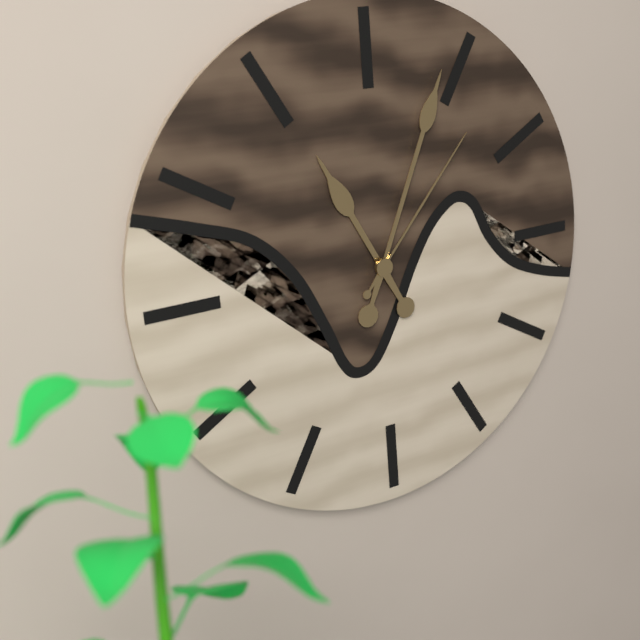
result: h=11 m=4 s=7
